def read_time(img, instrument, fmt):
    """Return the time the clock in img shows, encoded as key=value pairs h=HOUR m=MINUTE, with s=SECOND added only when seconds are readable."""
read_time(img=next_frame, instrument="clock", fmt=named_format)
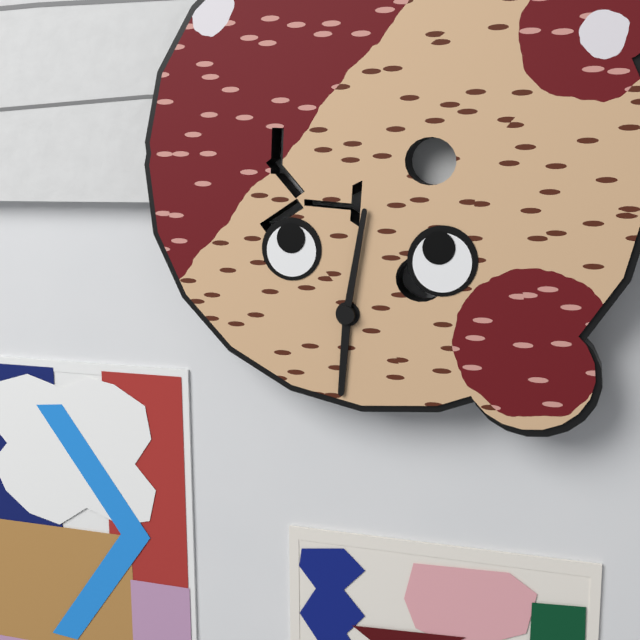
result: h=6 m=1
